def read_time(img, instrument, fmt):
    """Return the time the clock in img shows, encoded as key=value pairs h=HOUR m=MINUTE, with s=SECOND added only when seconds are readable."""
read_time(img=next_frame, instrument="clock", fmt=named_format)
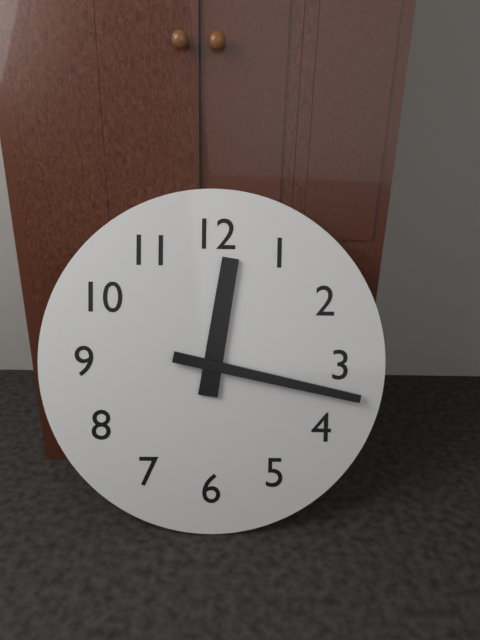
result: h=12 m=17
